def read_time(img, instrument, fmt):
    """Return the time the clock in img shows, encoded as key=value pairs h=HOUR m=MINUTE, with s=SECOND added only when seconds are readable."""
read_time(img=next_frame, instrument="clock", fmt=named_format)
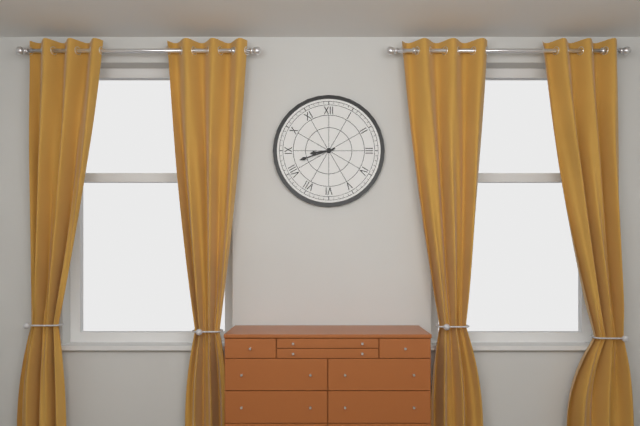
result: h=8 m=42
